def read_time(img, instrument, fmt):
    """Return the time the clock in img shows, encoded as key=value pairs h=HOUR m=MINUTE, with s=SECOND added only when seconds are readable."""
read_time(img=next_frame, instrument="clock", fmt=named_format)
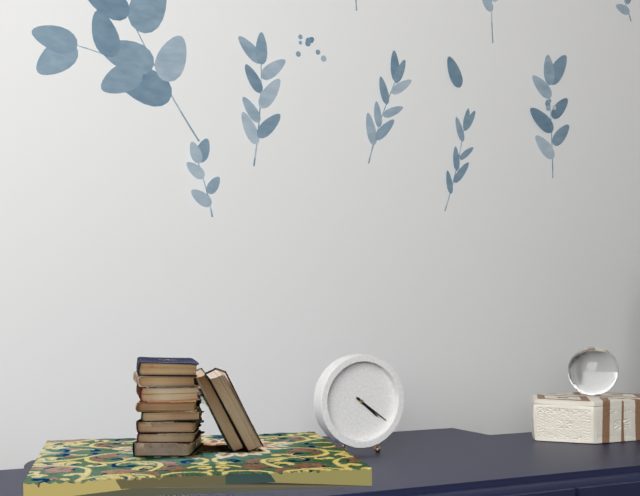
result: h=4 m=21
